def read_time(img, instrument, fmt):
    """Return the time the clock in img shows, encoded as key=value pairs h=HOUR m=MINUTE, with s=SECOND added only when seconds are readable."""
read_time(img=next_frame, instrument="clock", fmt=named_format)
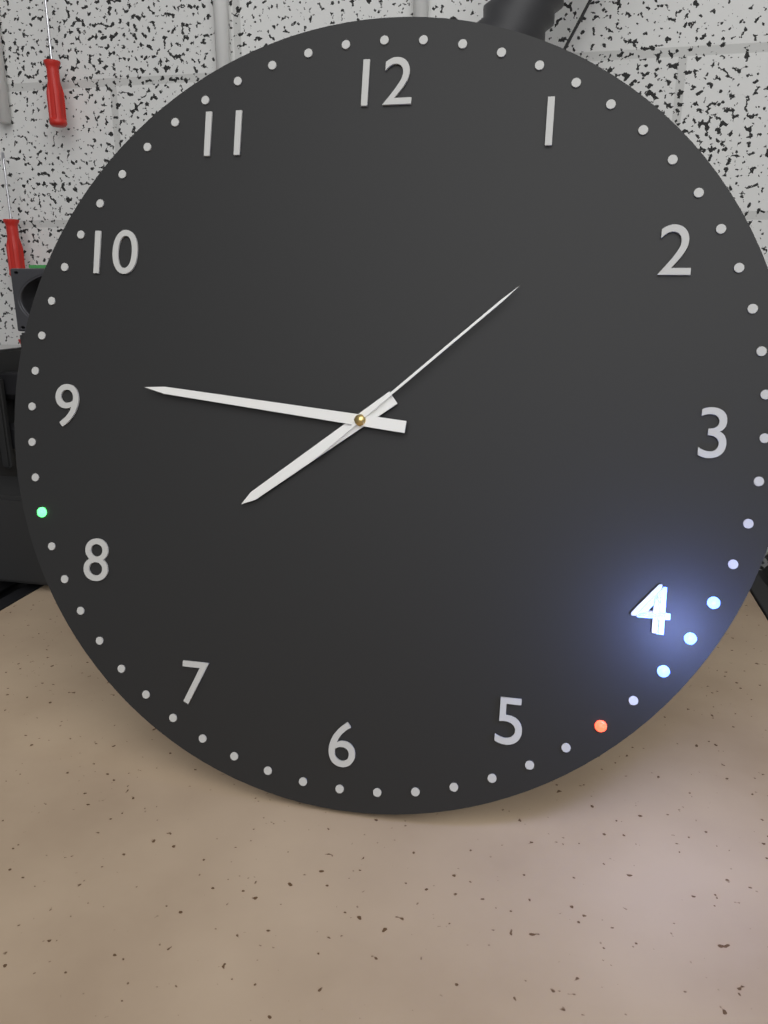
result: h=7 m=46 s=8
